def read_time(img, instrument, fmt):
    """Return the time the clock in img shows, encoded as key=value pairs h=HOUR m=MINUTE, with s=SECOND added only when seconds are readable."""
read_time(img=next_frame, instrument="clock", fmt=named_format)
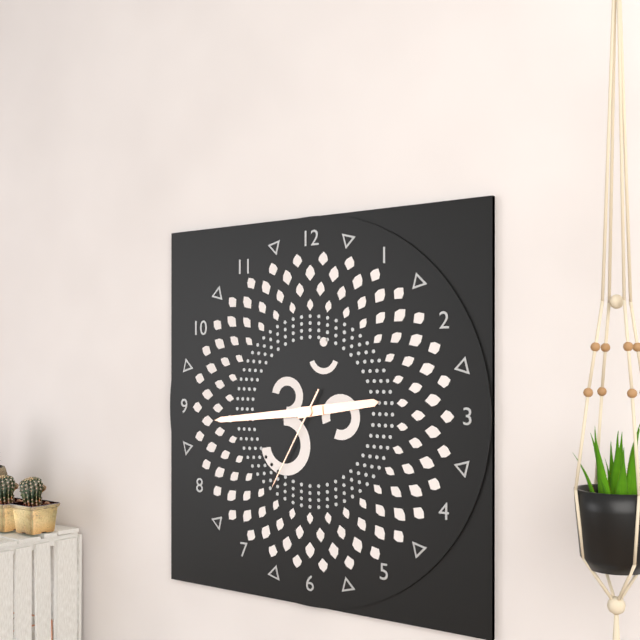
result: h=2 m=44 s=35
